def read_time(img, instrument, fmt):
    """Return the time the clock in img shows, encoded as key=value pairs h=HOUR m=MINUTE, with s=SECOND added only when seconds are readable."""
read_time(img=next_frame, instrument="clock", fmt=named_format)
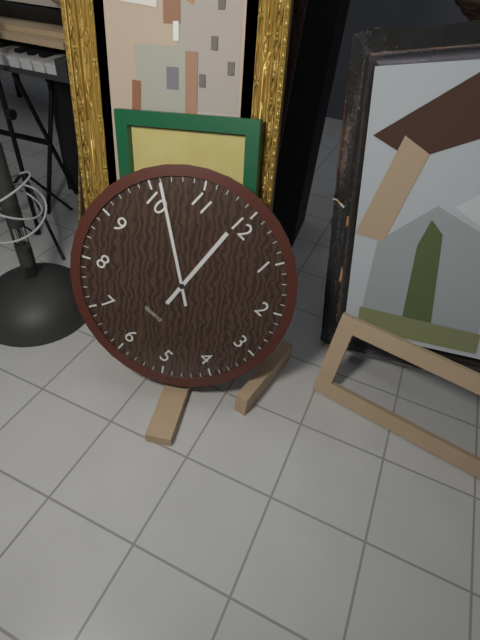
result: h=11 m=51
